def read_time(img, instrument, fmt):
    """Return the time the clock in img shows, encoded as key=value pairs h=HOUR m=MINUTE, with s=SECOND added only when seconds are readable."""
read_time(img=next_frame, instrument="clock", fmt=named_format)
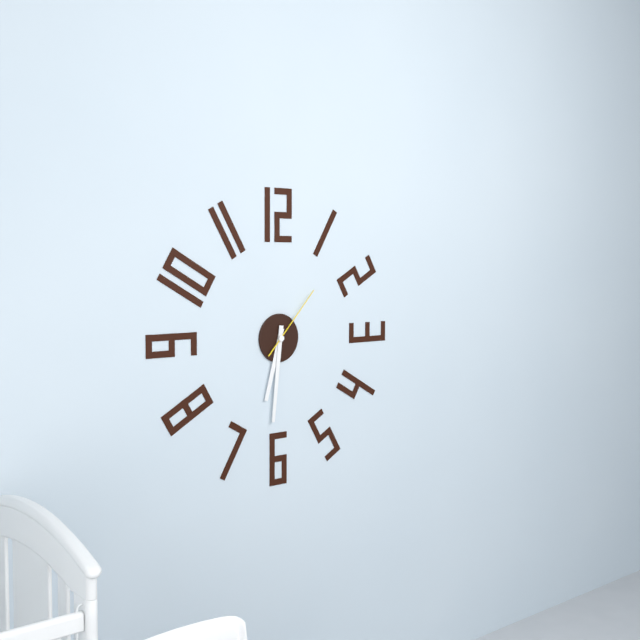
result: h=6 m=31 s=7
